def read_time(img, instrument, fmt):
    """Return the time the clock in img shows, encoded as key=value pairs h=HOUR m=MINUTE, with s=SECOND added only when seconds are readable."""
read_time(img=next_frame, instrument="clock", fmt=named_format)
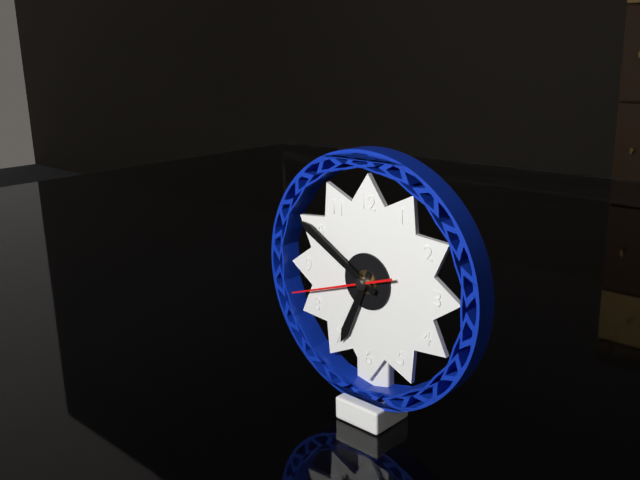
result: h=6 m=50 s=42
